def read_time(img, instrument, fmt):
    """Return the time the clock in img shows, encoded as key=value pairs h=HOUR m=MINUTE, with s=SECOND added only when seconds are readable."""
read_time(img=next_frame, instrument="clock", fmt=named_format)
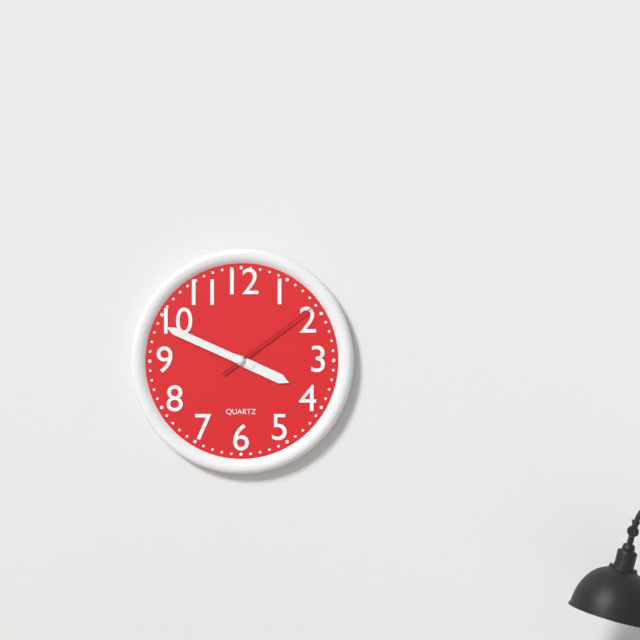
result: h=3 m=49 s=9
